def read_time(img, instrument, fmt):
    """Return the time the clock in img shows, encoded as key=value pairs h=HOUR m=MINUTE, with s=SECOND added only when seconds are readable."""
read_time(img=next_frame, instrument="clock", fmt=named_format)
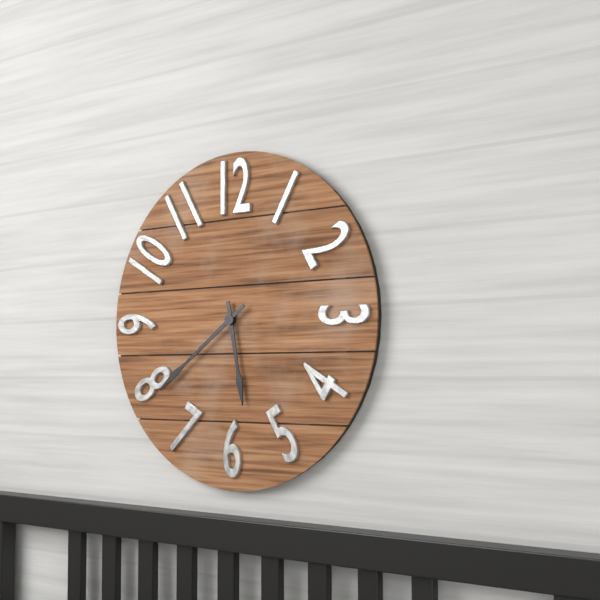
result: h=5 m=39
